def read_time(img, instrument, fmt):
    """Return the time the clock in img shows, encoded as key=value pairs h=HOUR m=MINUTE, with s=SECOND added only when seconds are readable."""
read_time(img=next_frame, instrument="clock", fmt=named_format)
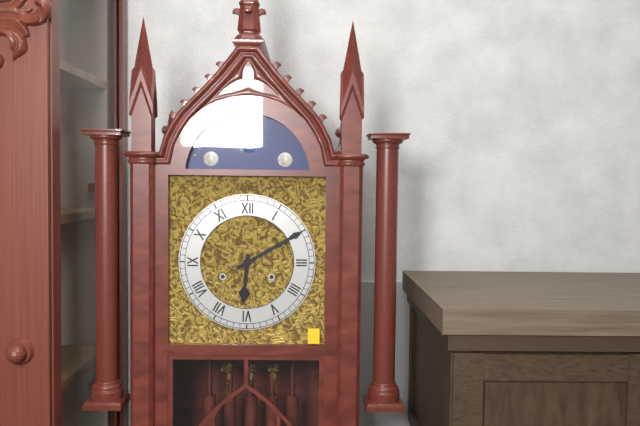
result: h=6 m=10
